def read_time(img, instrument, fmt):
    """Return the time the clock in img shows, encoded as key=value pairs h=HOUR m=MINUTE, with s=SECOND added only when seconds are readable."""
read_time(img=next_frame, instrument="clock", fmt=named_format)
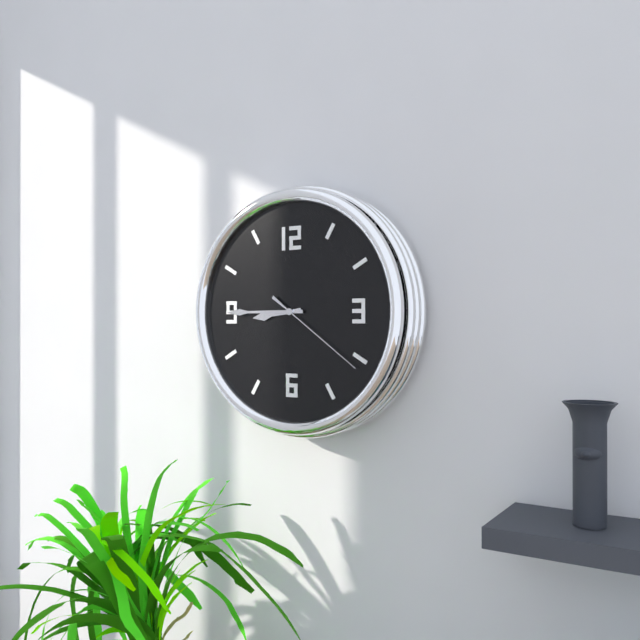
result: h=8 m=45 s=21
